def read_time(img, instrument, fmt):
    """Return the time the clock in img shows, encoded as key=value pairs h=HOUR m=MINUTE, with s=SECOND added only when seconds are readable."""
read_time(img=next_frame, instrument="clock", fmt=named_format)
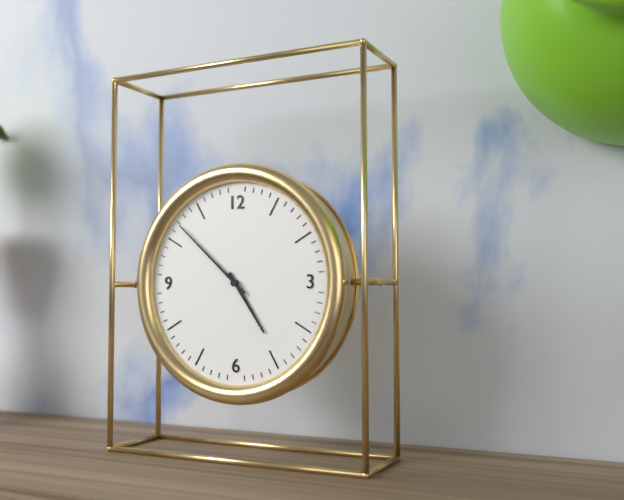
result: h=4 m=52
